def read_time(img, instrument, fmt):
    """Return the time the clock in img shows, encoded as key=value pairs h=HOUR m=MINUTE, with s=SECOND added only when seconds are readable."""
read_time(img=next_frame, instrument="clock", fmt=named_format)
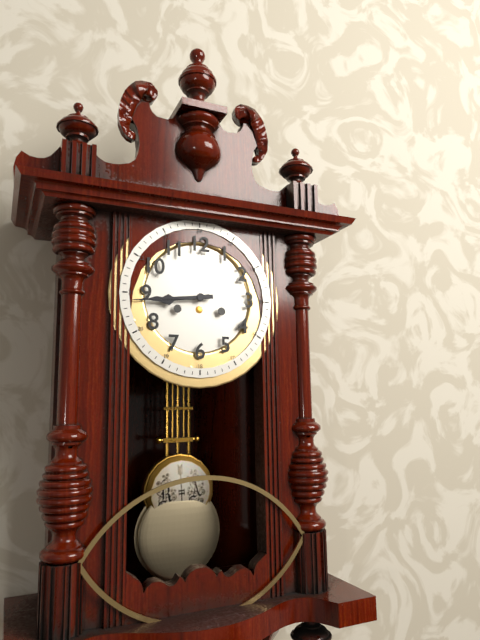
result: h=8 m=44
